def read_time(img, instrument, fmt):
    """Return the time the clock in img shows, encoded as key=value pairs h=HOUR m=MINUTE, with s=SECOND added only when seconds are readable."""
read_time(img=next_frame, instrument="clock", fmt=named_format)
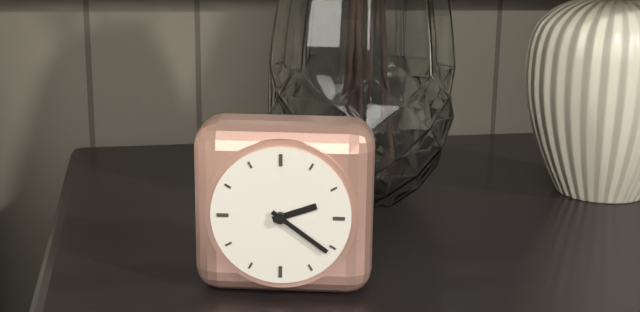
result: h=2 m=21
